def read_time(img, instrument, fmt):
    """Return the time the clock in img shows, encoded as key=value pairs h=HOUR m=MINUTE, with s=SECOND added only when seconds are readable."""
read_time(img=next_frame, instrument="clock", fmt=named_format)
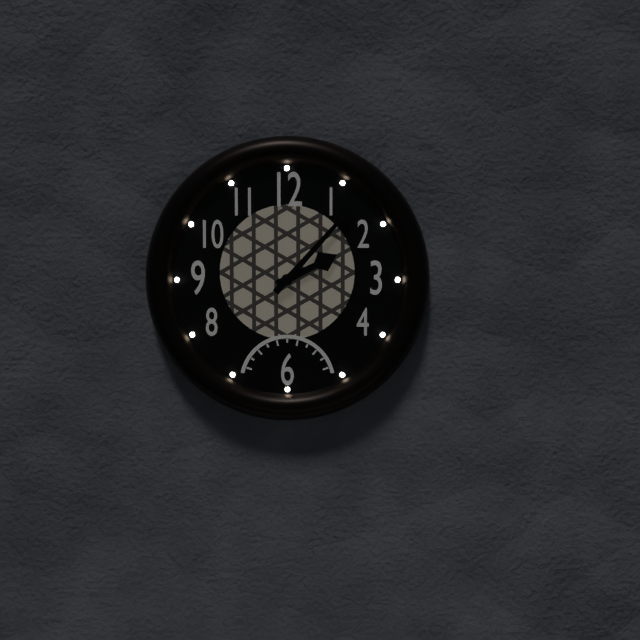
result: h=2 m=7
